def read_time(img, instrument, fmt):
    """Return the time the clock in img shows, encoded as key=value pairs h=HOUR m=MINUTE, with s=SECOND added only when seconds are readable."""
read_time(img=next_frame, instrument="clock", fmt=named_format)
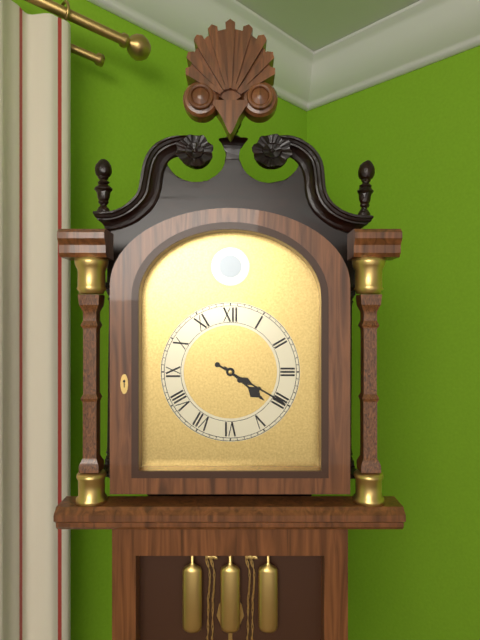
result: h=4 m=20
